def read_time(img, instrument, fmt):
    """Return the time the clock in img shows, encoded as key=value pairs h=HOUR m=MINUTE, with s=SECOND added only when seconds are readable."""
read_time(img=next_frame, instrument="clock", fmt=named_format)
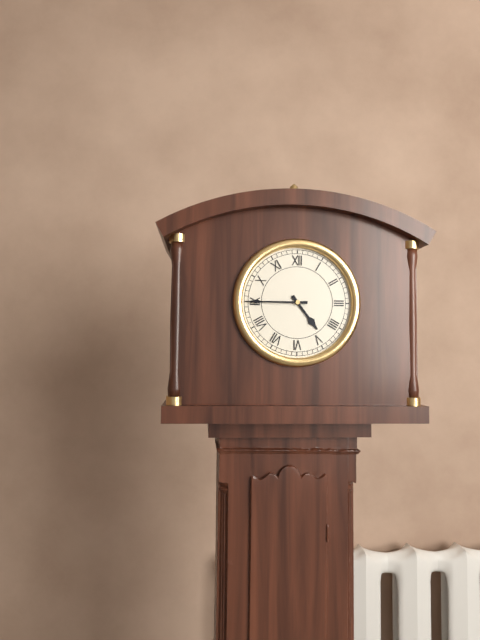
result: h=4 m=45
